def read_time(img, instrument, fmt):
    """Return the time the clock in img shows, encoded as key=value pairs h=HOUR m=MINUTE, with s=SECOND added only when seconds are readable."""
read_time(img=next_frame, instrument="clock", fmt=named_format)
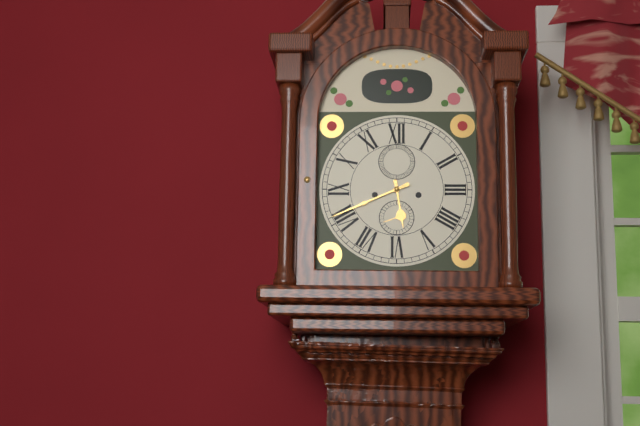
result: h=5 m=41
